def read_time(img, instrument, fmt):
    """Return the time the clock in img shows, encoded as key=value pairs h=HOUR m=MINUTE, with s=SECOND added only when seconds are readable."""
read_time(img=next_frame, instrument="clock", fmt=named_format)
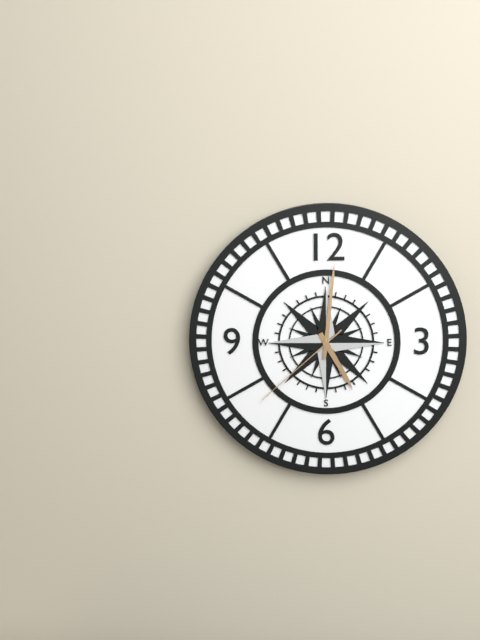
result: h=5 m=1 s=38
